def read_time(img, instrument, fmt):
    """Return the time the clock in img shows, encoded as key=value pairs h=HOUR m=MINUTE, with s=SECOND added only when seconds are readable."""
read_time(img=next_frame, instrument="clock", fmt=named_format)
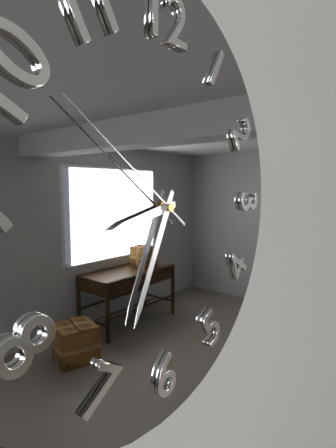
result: h=8 m=34 s=51
